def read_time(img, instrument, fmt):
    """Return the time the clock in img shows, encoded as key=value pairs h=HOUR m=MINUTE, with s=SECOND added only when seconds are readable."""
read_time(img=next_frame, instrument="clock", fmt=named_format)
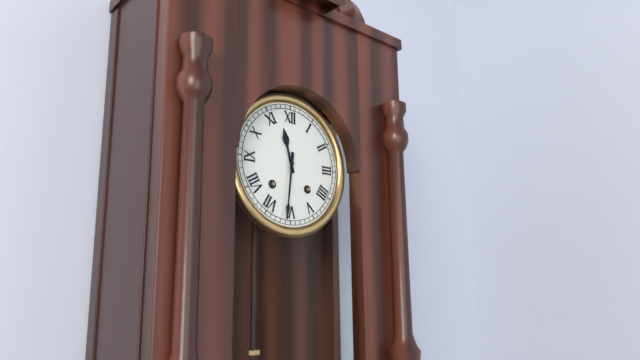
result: h=11 m=31
